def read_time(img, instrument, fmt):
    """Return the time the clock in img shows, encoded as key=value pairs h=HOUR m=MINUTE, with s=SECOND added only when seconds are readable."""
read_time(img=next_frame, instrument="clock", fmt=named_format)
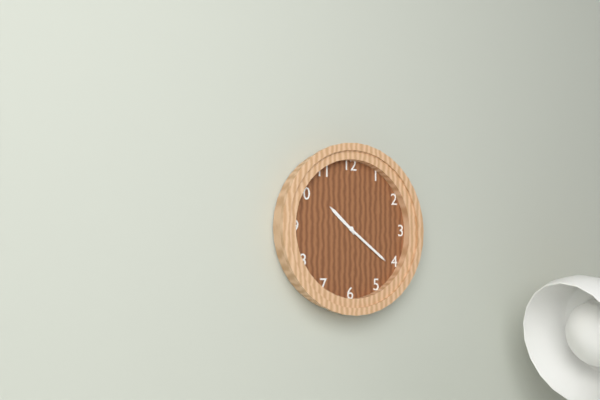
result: h=10 m=21
